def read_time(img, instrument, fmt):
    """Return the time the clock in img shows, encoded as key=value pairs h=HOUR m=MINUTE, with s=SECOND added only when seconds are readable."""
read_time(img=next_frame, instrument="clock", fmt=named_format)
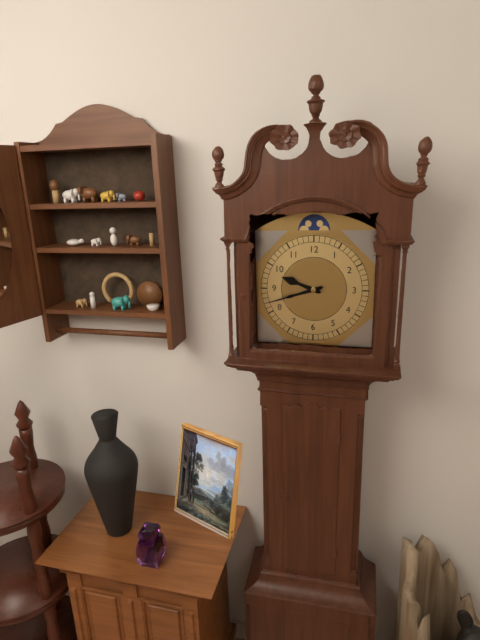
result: h=9 m=42
